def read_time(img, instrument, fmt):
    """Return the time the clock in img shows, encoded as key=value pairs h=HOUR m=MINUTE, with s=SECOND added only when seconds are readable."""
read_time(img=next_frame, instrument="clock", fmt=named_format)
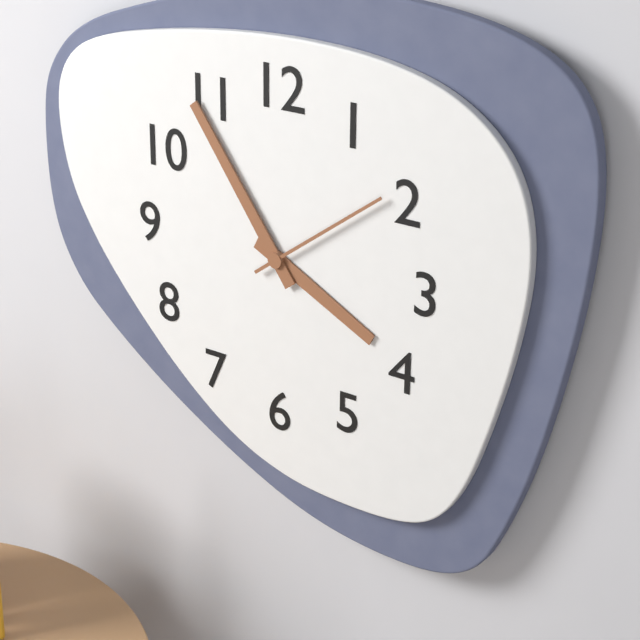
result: h=3 m=54 s=9
